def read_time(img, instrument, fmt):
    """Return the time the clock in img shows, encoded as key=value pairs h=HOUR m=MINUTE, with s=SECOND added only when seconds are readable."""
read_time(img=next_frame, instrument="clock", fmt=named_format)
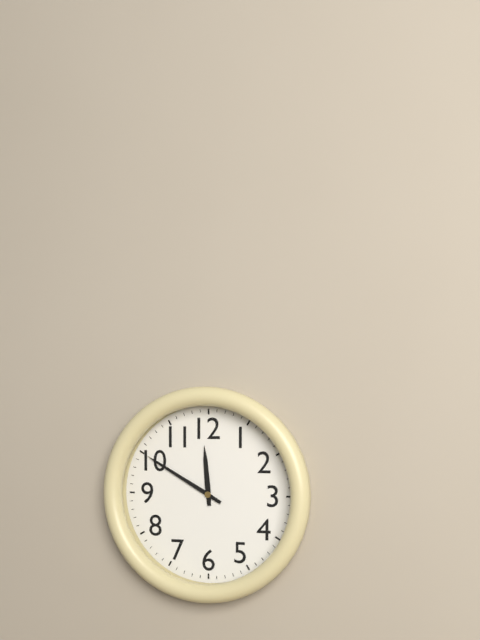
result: h=11 m=50
